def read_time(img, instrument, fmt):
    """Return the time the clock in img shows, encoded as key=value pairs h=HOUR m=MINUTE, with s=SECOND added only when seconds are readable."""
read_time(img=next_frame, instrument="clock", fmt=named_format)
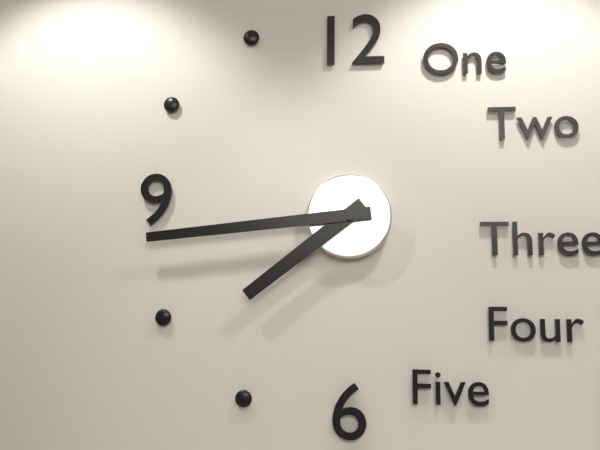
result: h=7 m=44
